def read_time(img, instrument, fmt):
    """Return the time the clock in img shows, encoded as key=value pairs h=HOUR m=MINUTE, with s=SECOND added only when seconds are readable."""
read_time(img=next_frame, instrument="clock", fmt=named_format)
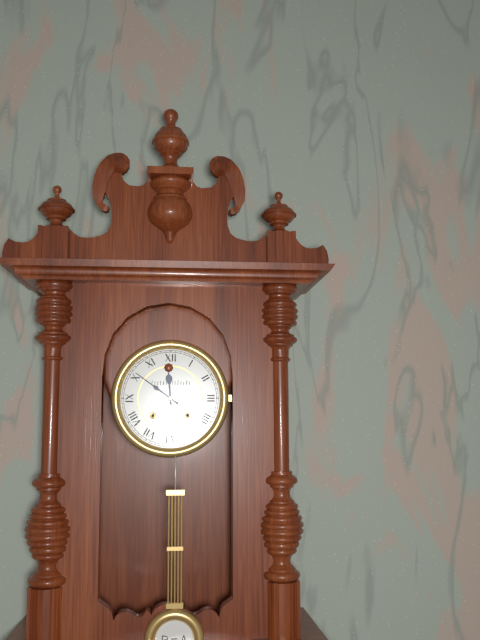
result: h=11 m=51
